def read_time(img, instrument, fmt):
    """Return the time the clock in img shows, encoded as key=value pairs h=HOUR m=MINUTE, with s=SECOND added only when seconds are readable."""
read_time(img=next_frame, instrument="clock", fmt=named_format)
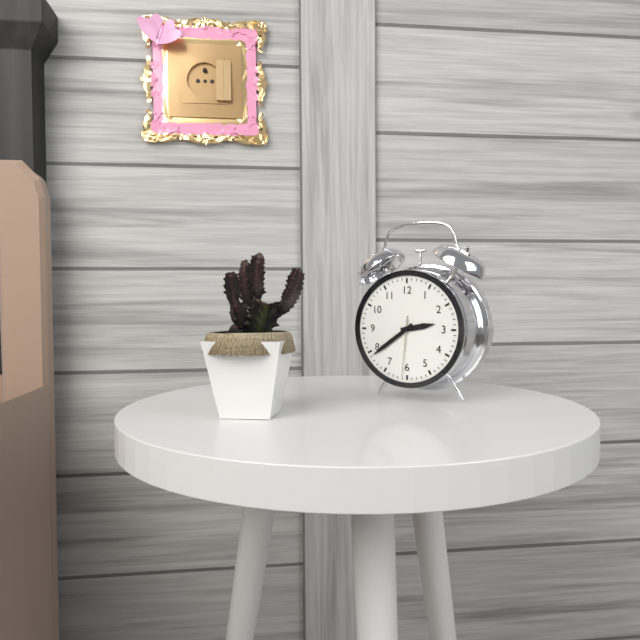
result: h=2 m=39 s=31
